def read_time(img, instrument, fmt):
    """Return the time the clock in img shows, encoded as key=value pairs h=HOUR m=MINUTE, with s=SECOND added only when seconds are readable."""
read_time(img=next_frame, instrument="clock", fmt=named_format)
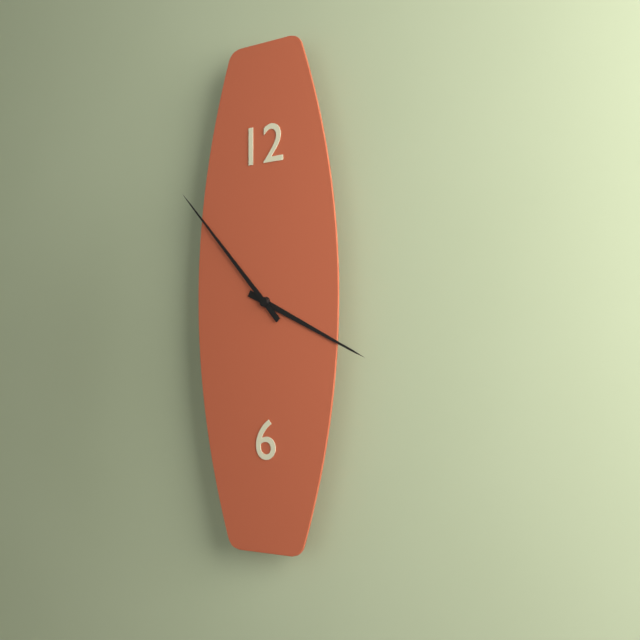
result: h=3 m=53
